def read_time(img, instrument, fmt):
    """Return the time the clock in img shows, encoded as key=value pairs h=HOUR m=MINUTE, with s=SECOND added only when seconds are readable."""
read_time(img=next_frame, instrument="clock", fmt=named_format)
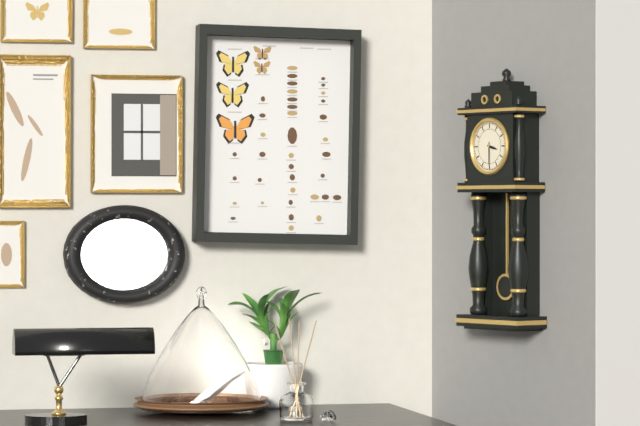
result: h=3 m=30
